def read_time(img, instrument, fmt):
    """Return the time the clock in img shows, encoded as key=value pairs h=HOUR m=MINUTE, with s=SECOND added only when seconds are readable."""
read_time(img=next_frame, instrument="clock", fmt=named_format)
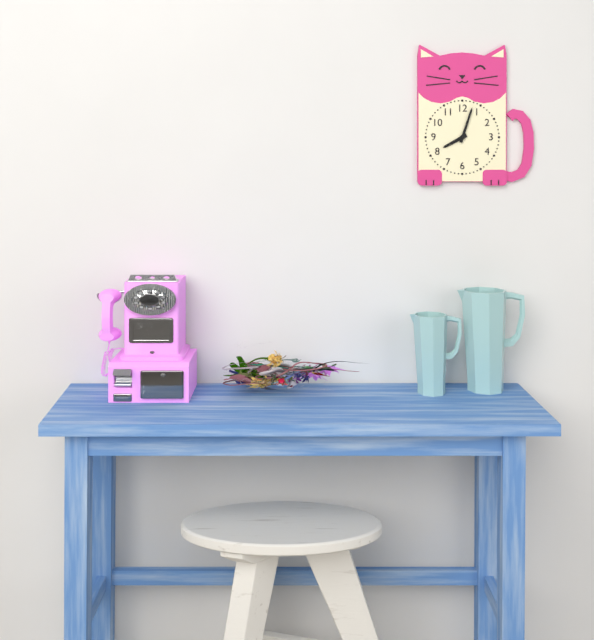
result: h=8 m=3
